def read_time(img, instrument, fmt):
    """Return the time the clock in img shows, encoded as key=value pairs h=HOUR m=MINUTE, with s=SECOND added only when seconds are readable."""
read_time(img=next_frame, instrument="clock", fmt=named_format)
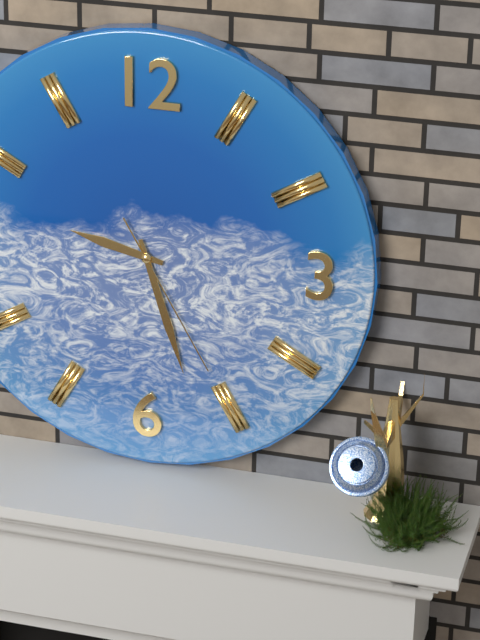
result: h=9 m=27 s=25
